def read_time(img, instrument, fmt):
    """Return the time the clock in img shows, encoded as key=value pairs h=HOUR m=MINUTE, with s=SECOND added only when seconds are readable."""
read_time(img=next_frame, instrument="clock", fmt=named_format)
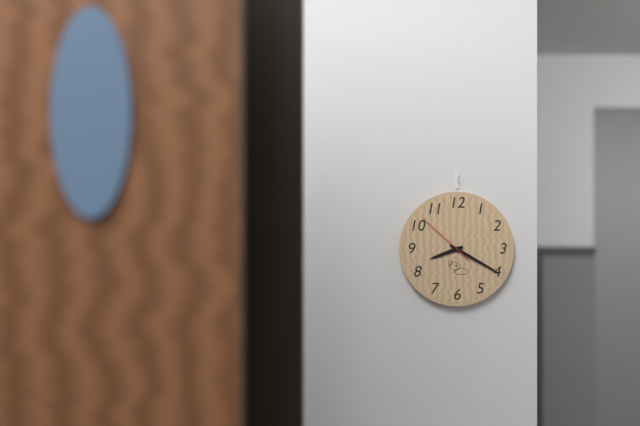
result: h=8 m=20 s=52
